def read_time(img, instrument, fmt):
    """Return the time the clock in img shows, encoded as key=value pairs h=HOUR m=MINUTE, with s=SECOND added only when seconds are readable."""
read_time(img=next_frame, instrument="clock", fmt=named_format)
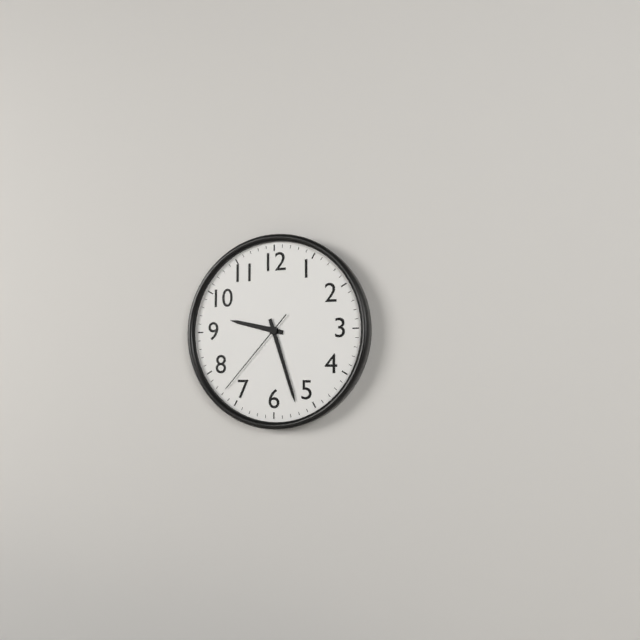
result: h=9 m=27 s=37
